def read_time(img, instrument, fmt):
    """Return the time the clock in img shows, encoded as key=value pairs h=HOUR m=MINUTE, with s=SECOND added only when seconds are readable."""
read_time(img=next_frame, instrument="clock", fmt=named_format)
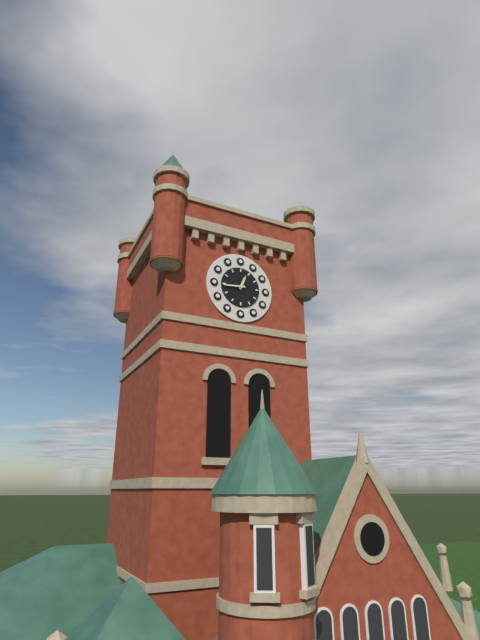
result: h=12 m=44
